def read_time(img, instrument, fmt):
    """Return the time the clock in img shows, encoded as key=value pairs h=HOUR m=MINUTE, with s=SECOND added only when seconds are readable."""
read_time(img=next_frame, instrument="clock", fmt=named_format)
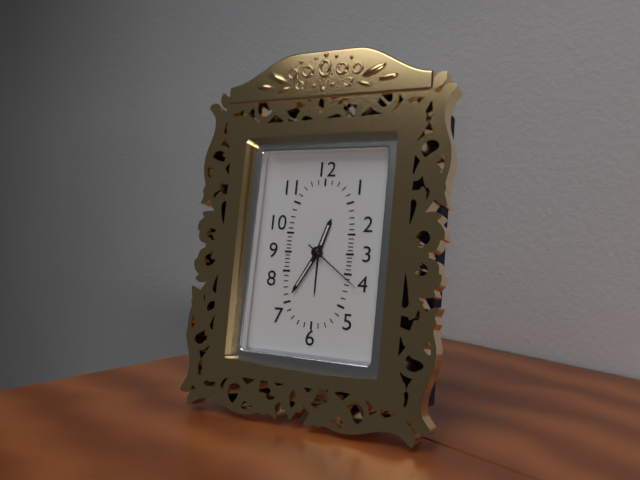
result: h=12 m=35 s=21
